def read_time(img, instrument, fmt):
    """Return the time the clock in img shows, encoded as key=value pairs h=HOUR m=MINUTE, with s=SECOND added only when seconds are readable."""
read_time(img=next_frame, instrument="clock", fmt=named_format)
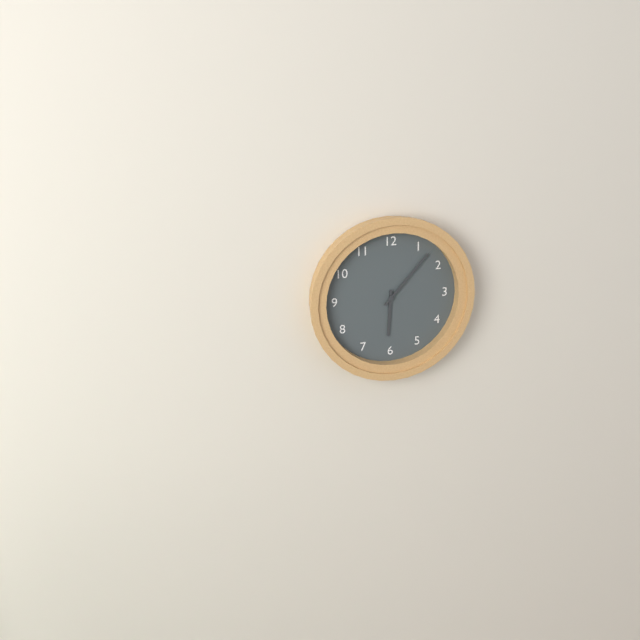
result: h=6 m=7
